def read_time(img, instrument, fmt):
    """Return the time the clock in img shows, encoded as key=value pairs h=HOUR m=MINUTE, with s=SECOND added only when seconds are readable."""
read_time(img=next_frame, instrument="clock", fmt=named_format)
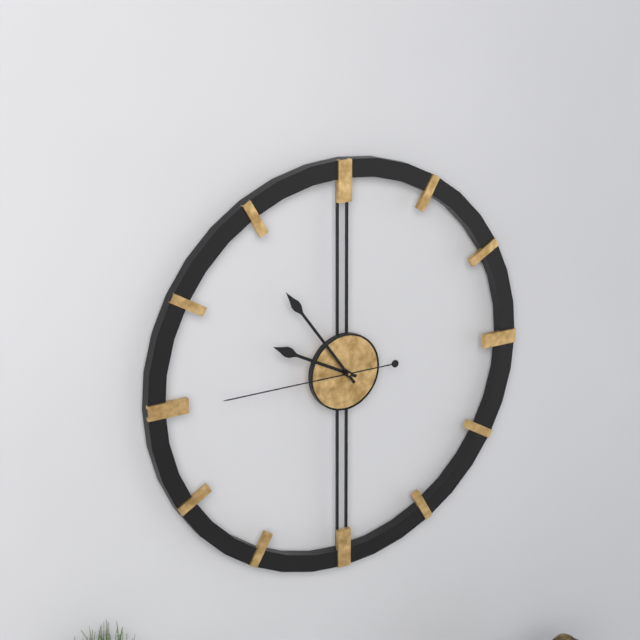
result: h=9 m=54 s=45
